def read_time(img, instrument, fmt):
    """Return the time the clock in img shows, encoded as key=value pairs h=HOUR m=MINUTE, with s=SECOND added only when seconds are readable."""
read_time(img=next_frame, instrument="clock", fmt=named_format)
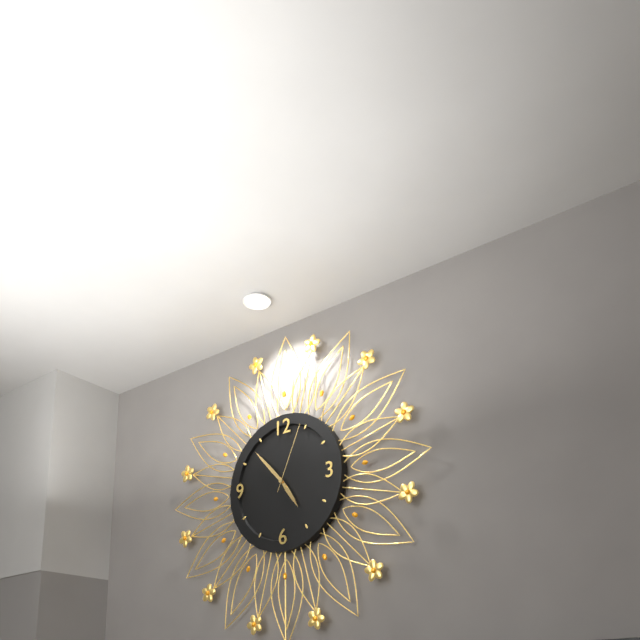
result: h=4 m=53 s=4
